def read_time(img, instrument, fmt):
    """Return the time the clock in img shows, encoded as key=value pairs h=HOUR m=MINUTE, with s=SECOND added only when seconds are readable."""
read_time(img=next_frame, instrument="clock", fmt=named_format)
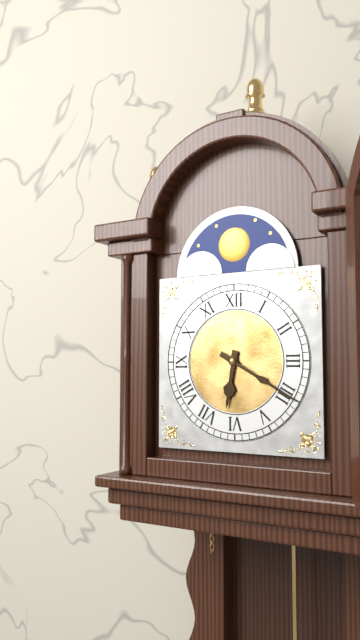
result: h=6 m=20
